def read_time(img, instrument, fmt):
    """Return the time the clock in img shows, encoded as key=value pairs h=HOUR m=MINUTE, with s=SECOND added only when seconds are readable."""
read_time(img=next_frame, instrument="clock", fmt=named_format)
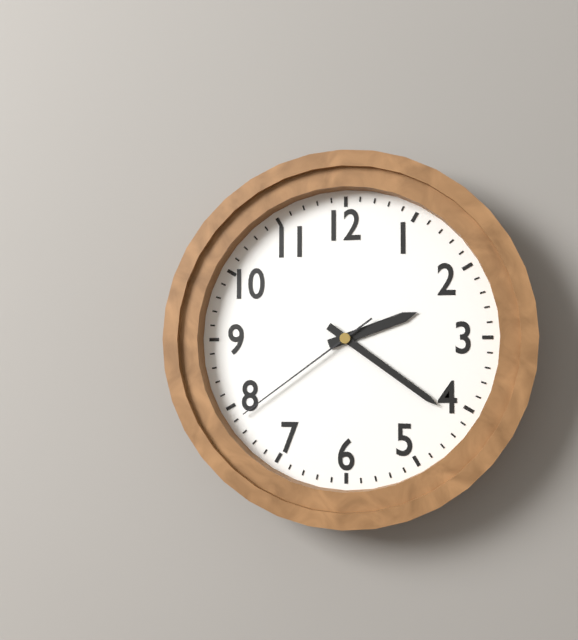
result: h=2 m=21 s=39
